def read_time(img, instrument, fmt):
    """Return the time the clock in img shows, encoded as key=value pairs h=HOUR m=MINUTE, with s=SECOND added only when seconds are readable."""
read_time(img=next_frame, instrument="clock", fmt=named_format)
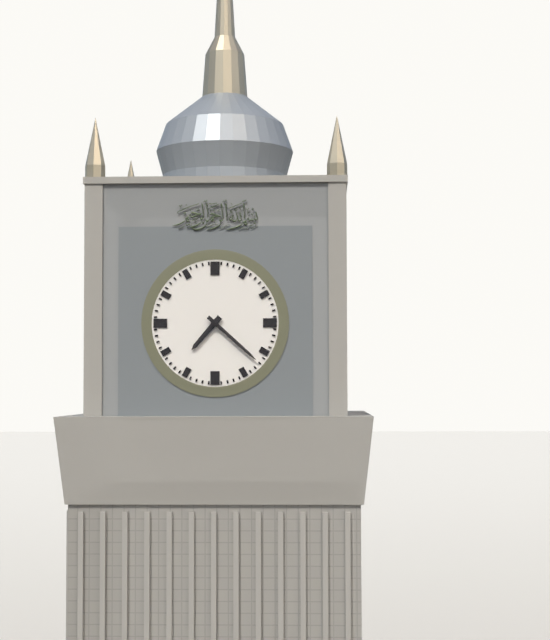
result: h=7 m=22
